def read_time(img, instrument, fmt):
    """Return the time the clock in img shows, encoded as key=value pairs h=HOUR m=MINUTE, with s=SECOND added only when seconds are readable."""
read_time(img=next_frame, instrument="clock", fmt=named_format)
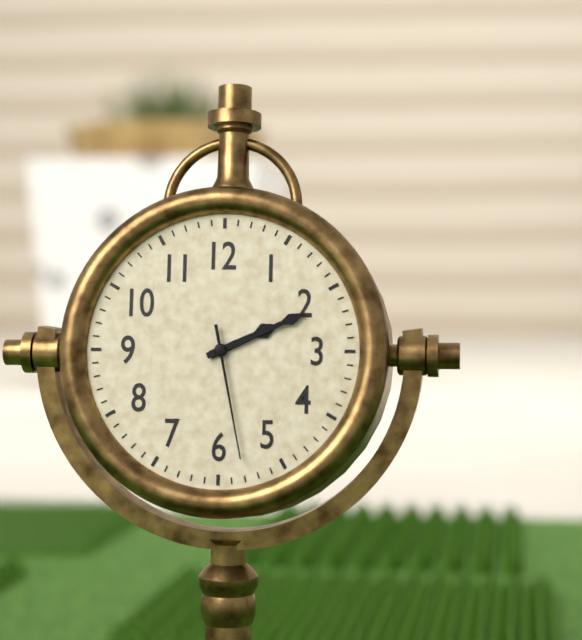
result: h=2 m=11 s=28
